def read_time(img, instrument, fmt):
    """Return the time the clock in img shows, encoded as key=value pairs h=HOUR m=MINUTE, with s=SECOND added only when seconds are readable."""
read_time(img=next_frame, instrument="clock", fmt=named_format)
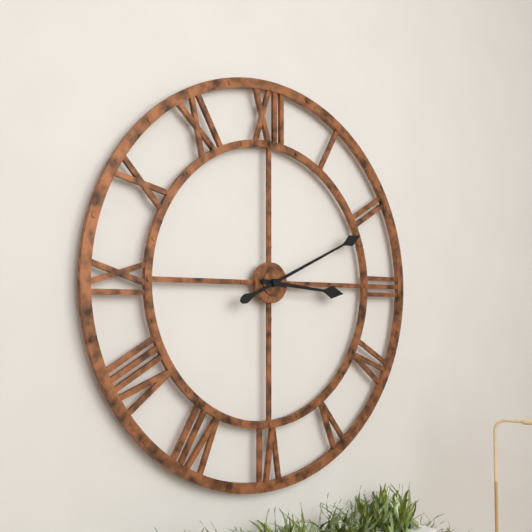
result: h=3 m=11
